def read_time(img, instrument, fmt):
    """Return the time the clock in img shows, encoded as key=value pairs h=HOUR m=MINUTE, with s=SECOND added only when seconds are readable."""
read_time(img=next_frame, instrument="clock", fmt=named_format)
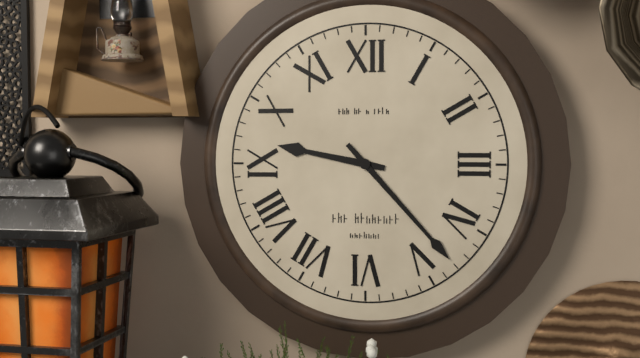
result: h=9 m=23
